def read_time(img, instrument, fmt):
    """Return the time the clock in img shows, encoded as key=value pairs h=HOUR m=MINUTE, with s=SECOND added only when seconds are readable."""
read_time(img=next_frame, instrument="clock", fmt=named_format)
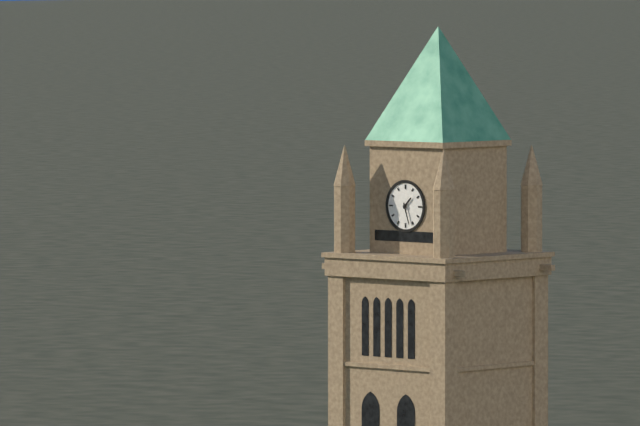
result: h=1 m=27
